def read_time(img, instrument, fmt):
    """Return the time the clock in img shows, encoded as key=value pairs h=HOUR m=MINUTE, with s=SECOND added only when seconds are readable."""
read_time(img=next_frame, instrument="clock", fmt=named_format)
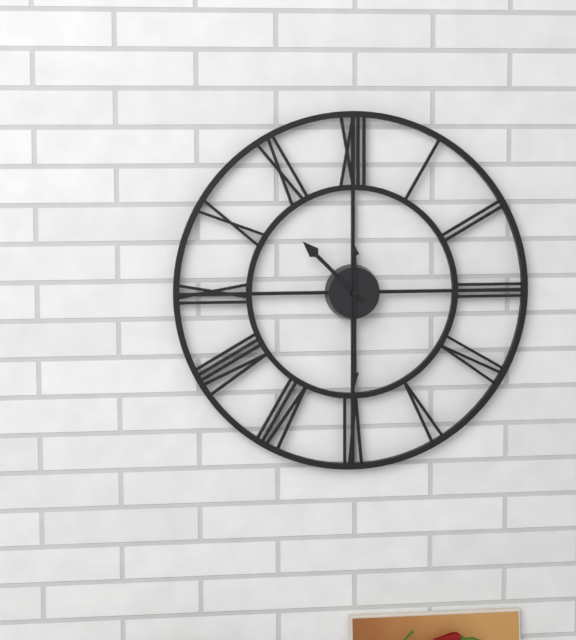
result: h=10 m=30
